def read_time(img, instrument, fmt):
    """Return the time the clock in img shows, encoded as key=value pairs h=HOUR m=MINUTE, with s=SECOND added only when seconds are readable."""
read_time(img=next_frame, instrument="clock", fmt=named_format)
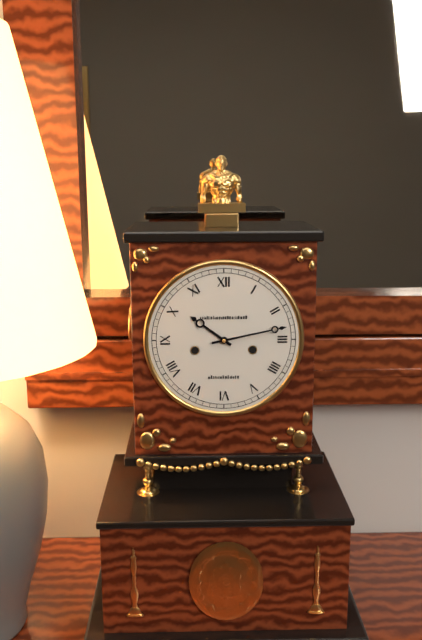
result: h=10 m=13
